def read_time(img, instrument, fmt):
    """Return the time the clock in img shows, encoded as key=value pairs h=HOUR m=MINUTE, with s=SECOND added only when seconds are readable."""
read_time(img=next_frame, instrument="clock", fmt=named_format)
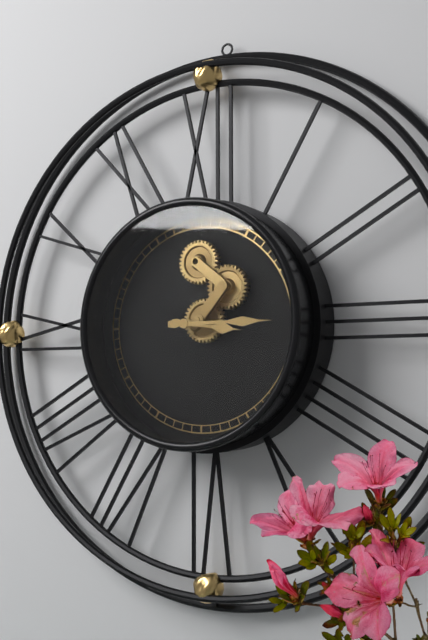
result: h=3 m=15
